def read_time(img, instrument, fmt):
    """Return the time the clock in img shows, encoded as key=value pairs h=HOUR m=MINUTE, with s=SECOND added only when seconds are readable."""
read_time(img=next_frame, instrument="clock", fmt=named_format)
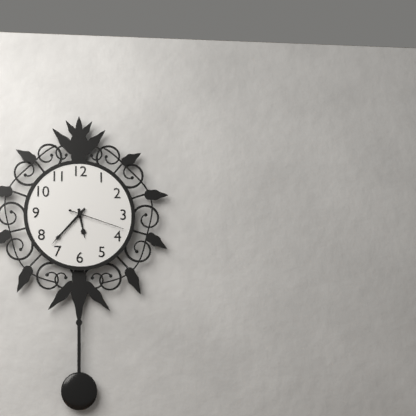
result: h=5 m=37 s=18
